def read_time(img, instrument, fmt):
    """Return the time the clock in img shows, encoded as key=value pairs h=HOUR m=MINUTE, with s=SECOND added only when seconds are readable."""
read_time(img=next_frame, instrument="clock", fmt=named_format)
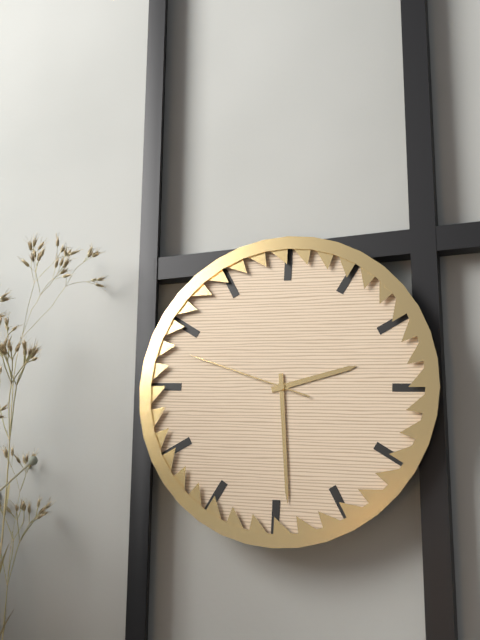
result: h=2 m=29 s=48
